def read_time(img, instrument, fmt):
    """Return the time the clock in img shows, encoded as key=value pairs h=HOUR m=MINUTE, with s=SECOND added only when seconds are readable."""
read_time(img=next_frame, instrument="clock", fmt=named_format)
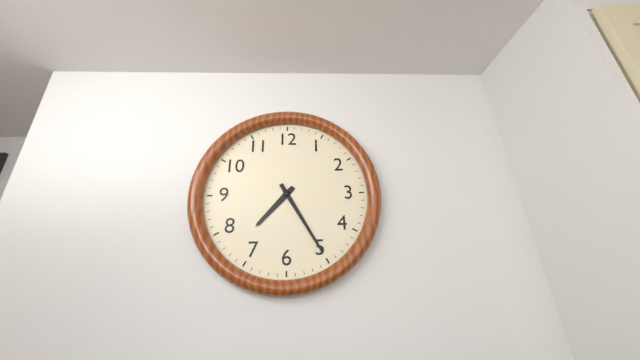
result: h=7 m=25
